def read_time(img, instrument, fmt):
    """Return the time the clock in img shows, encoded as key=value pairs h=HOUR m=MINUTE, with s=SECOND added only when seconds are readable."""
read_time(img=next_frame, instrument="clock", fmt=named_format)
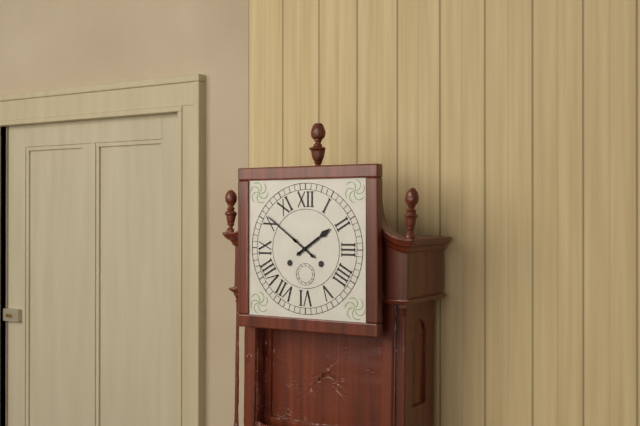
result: h=1 m=51
